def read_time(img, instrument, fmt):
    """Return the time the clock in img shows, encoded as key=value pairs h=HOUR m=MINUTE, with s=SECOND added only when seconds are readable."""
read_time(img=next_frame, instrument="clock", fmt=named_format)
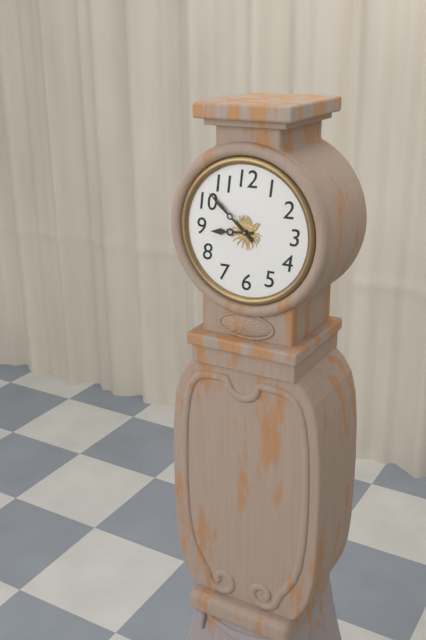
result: h=8 m=52
